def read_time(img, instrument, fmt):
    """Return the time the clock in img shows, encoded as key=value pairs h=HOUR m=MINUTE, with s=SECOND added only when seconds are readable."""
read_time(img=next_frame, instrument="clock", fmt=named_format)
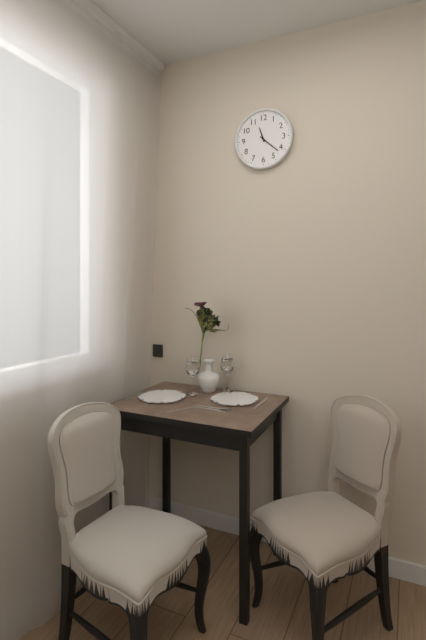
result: h=11 m=22
